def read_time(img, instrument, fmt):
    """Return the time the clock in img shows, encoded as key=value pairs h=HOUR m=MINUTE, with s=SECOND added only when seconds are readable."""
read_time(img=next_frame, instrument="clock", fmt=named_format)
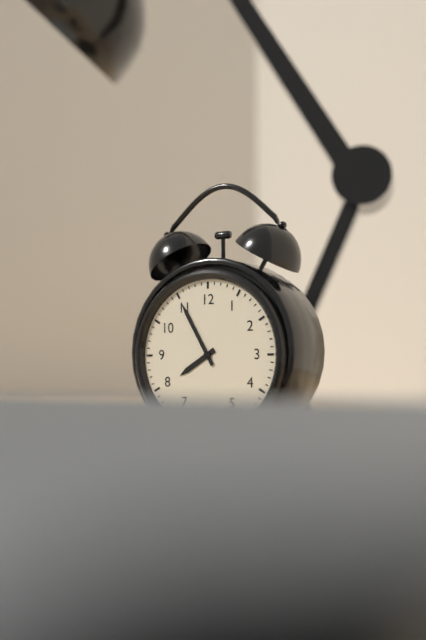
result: h=7 m=55
